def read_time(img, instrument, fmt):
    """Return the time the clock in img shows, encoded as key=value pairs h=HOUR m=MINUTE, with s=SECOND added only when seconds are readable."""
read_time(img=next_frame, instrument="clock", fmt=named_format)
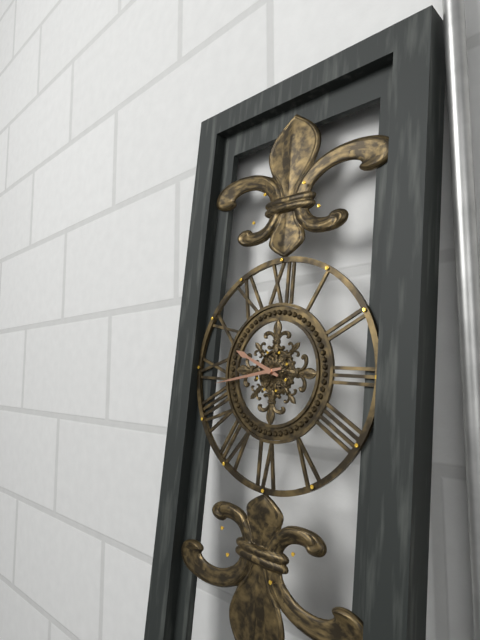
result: h=9 m=43
